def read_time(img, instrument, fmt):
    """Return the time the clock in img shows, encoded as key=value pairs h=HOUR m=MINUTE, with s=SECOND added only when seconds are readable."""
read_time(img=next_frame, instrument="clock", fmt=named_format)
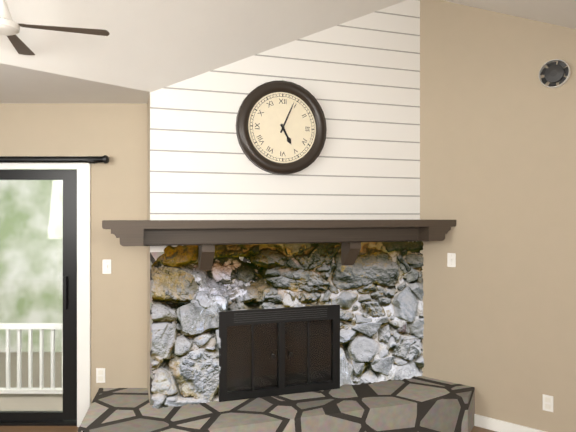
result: h=5 m=4
